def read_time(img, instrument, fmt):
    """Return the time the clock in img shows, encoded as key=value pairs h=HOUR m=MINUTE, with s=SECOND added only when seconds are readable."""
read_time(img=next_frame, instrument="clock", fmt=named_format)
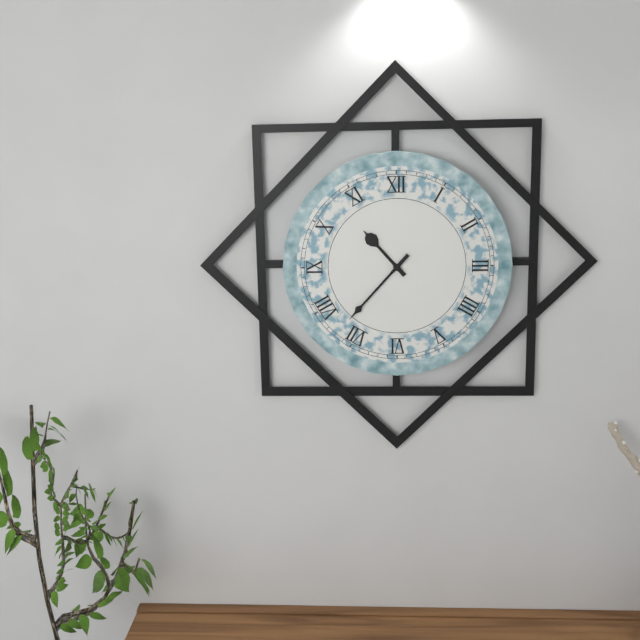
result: h=10 m=37
